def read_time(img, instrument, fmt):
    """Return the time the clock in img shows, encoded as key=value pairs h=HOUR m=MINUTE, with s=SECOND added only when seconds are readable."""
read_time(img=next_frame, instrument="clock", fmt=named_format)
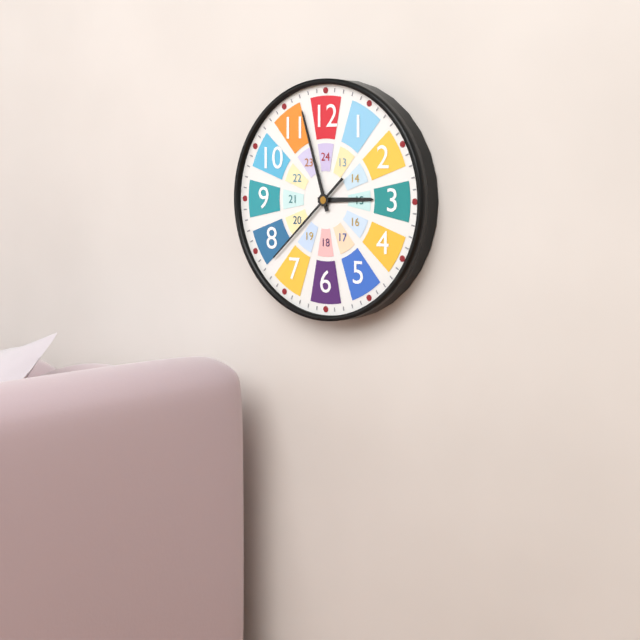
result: h=2 m=57 s=38
